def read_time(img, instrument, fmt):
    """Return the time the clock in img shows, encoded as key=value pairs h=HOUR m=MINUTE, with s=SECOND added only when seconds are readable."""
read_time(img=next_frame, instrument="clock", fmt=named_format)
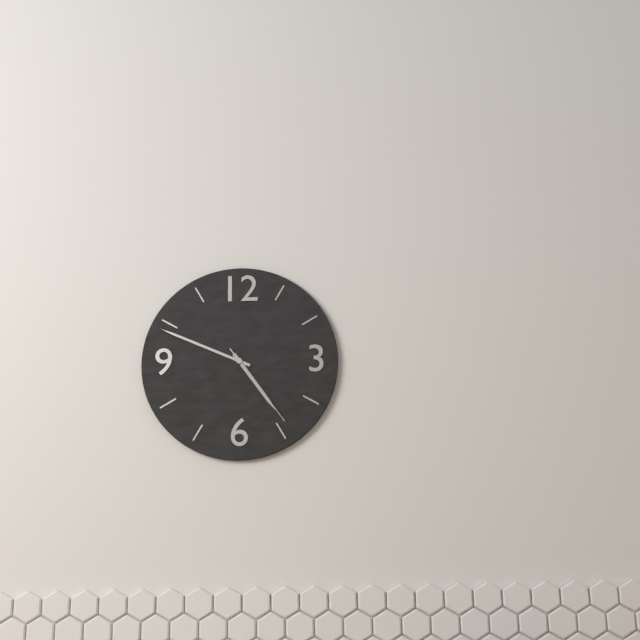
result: h=4 m=49 s=24
